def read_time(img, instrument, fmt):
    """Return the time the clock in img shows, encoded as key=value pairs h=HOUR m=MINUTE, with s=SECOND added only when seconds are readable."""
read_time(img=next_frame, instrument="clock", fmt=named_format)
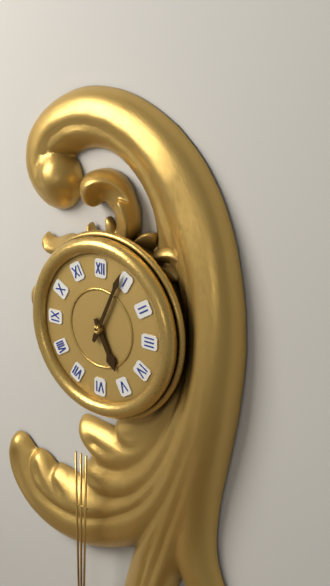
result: h=5 m=4
